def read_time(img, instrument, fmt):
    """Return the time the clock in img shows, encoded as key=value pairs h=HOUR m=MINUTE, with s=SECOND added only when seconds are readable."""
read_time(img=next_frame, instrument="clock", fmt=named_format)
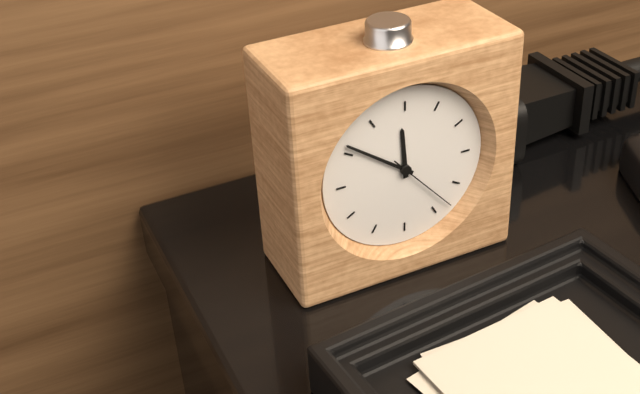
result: h=11 m=51 s=23
